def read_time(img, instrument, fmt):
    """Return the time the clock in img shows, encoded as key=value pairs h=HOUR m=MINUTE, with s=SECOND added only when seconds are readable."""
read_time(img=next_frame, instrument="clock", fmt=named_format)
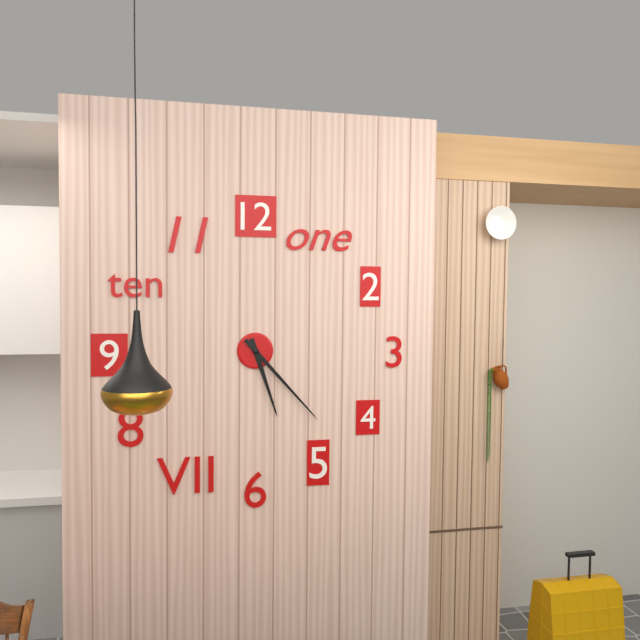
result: h=5 m=23
